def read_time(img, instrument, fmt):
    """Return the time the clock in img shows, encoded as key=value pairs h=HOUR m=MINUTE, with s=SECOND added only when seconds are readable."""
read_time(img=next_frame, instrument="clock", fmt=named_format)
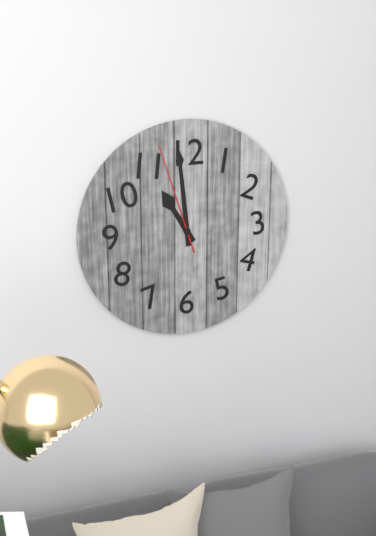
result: h=10 m=59 s=57
